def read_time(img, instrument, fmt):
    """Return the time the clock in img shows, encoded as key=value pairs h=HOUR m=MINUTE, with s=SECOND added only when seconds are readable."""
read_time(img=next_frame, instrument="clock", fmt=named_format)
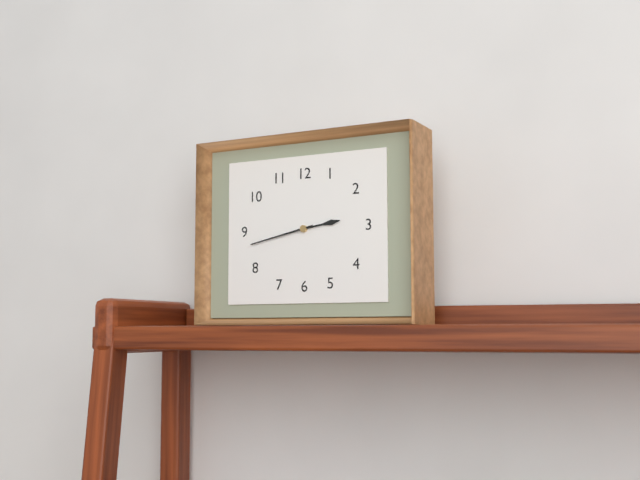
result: h=2 m=43
